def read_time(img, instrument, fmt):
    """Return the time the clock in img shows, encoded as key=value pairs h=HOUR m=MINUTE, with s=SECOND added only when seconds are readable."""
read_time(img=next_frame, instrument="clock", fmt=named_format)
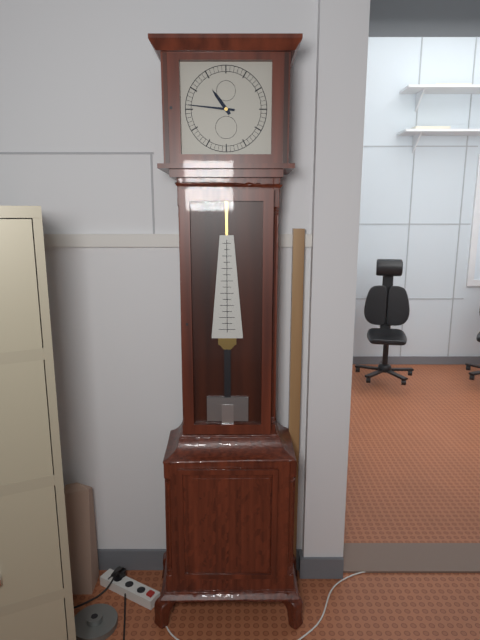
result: h=10 m=46
